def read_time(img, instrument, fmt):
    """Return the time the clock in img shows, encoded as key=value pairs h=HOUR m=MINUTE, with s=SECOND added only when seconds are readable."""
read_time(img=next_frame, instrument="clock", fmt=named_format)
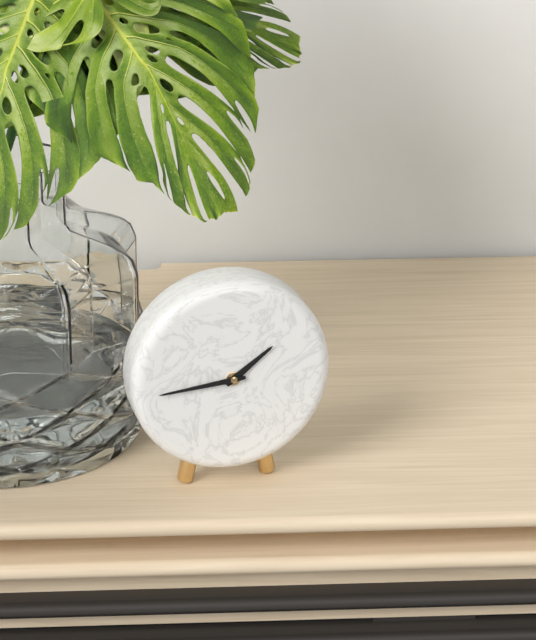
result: h=1 m=44
